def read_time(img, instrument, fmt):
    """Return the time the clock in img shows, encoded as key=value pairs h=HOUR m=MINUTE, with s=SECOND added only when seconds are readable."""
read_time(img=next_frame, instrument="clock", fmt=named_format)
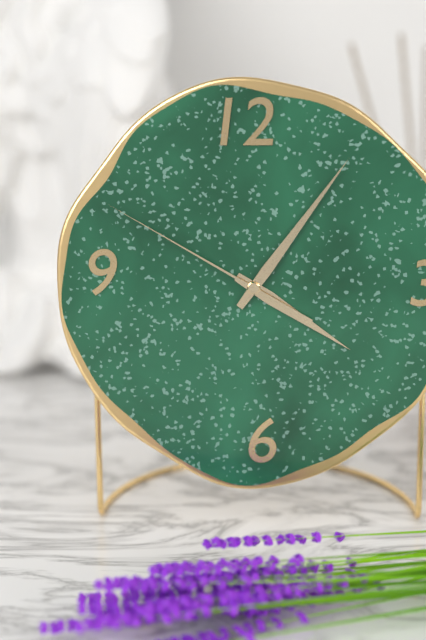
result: h=4 m=6 s=50
